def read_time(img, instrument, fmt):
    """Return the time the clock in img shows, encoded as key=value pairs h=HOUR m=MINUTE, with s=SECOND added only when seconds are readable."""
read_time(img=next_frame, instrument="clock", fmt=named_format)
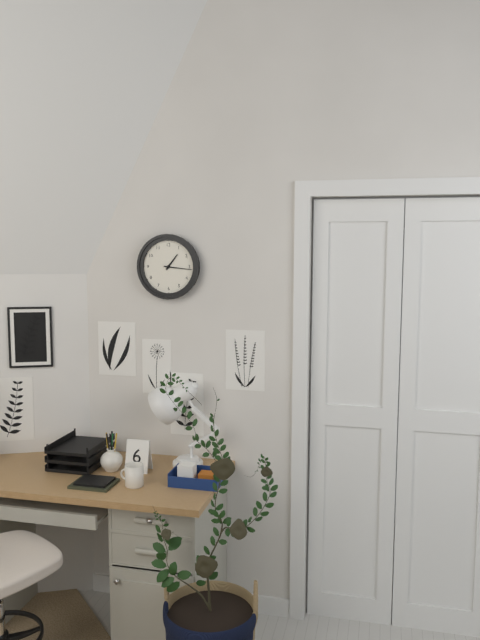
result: h=1 m=16
